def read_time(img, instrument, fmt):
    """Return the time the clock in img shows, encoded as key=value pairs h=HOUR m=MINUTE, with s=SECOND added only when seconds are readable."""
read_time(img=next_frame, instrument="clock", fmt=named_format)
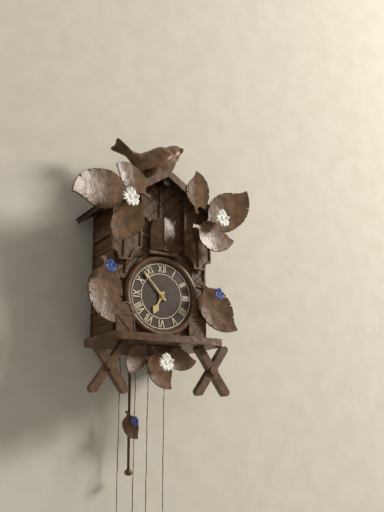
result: h=6 m=53
